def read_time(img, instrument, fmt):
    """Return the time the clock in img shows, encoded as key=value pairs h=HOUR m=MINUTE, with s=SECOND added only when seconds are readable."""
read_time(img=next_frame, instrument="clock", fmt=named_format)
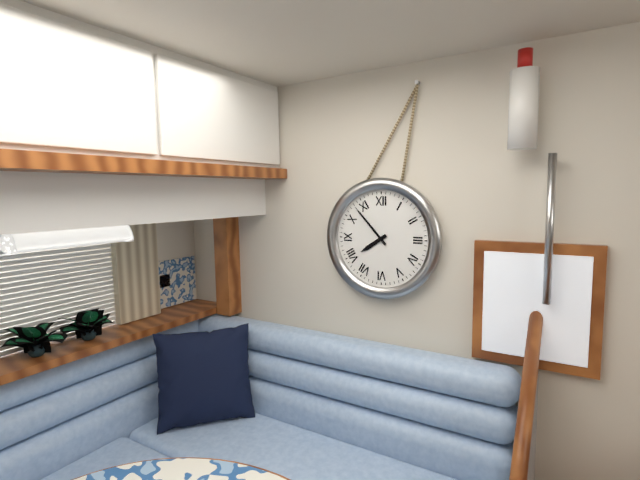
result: h=7 m=53
